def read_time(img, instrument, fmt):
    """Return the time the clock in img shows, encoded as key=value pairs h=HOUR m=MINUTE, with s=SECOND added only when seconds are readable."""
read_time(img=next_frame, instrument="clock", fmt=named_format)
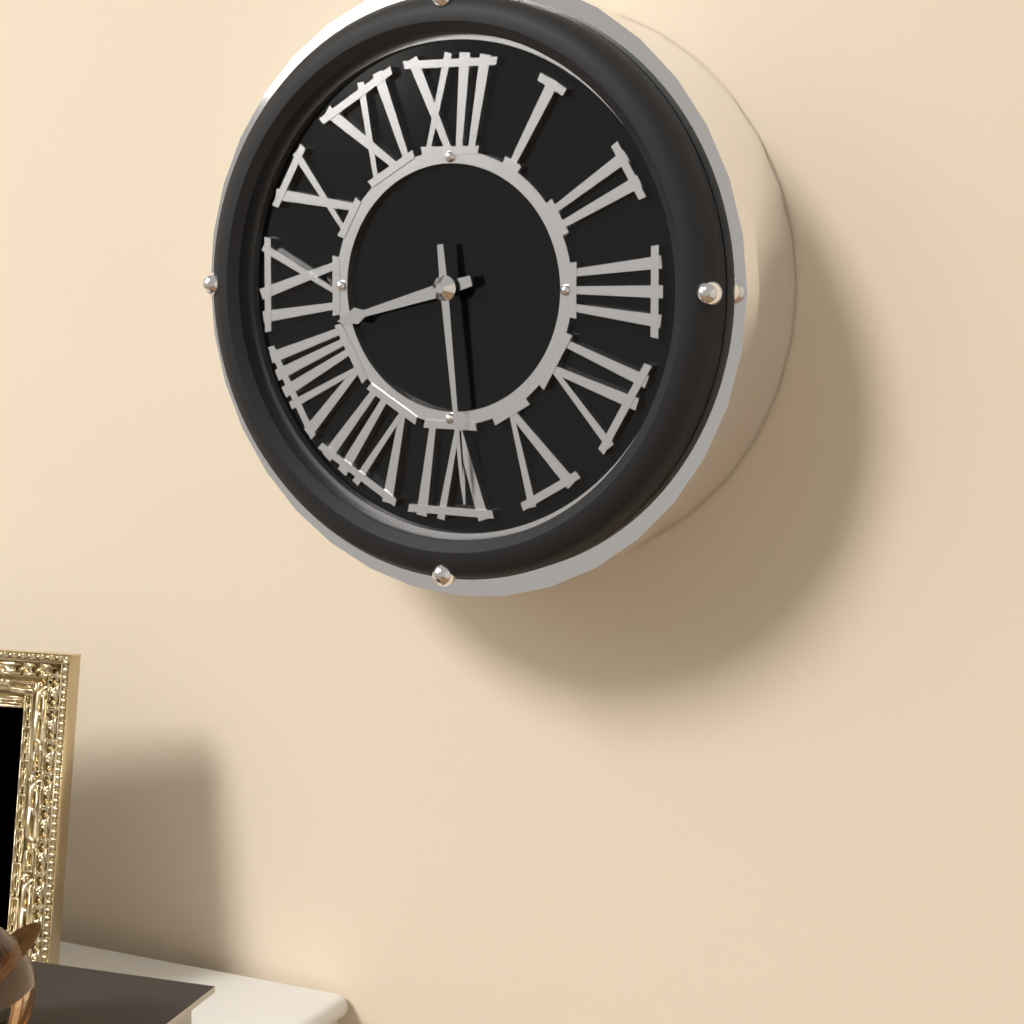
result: h=8 m=29
